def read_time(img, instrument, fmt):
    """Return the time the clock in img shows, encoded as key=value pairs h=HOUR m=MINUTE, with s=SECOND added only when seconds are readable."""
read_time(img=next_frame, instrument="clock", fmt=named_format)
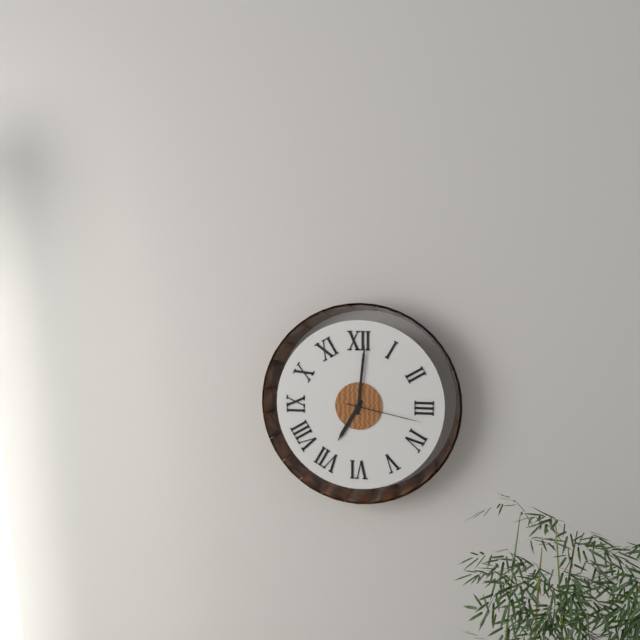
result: h=7 m=1 s=17
